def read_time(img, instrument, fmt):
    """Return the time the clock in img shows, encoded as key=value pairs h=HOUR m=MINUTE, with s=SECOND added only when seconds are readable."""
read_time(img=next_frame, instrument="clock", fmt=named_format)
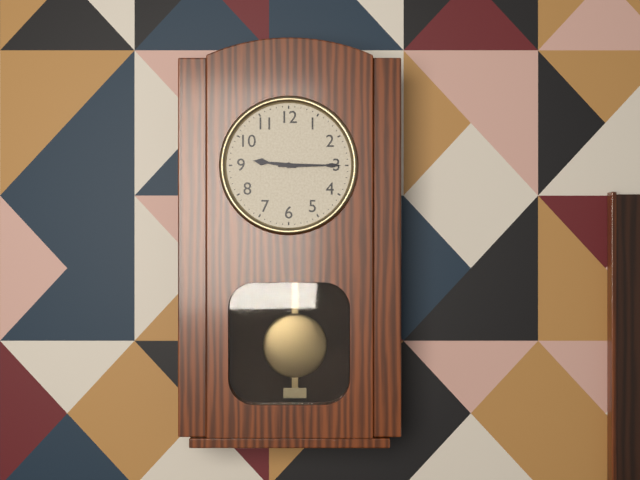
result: h=9 m=15
